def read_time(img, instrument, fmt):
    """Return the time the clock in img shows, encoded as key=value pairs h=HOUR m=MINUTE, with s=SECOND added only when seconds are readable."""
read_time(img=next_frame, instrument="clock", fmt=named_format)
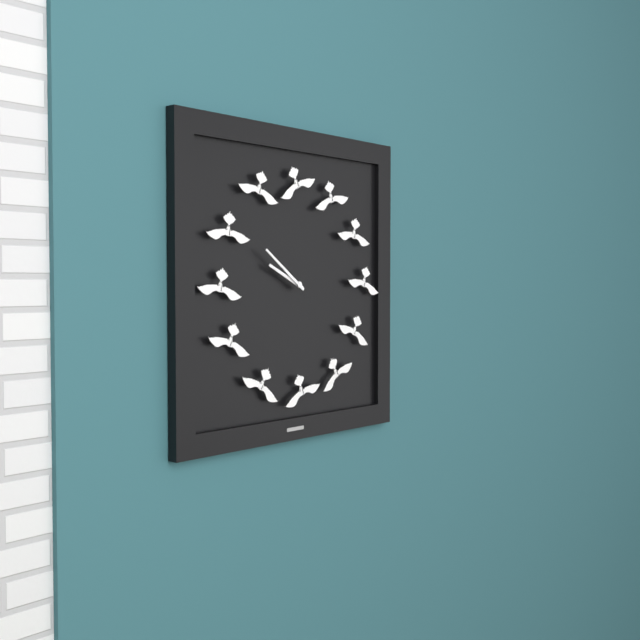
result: h=9 m=51
